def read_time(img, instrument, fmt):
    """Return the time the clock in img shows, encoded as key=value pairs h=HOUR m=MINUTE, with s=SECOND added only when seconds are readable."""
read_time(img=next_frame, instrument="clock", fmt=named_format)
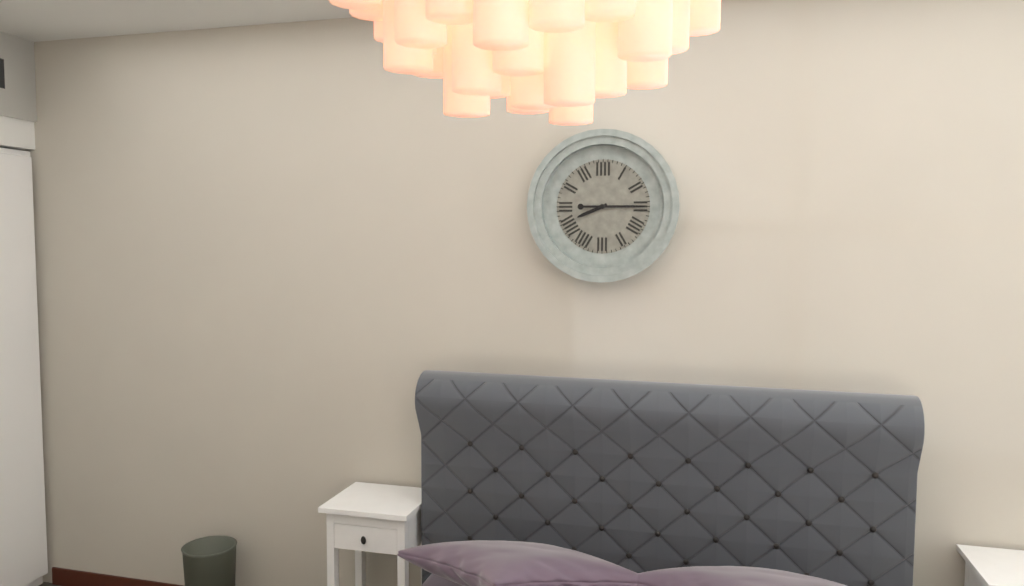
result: h=8 m=15
